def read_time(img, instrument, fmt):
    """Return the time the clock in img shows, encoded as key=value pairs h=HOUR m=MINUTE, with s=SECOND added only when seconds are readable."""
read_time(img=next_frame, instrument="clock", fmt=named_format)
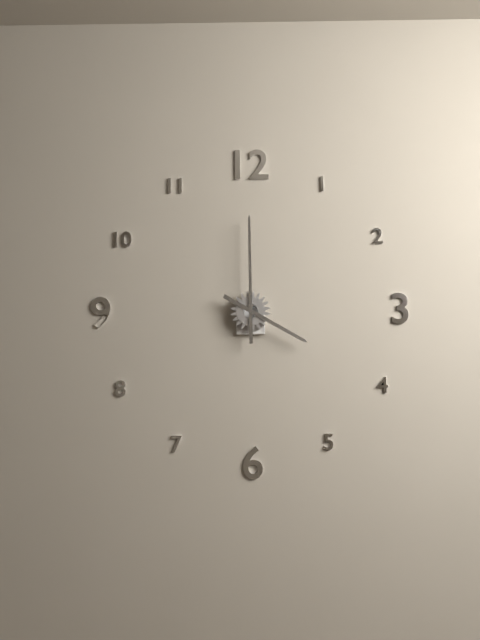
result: h=4 m=0
